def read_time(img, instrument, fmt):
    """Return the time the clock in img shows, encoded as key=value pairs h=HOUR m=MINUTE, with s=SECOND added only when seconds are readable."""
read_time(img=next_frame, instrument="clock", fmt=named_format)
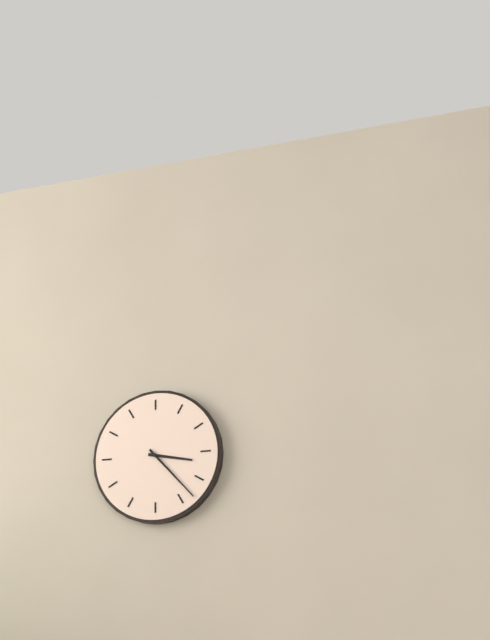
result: h=3 m=23
